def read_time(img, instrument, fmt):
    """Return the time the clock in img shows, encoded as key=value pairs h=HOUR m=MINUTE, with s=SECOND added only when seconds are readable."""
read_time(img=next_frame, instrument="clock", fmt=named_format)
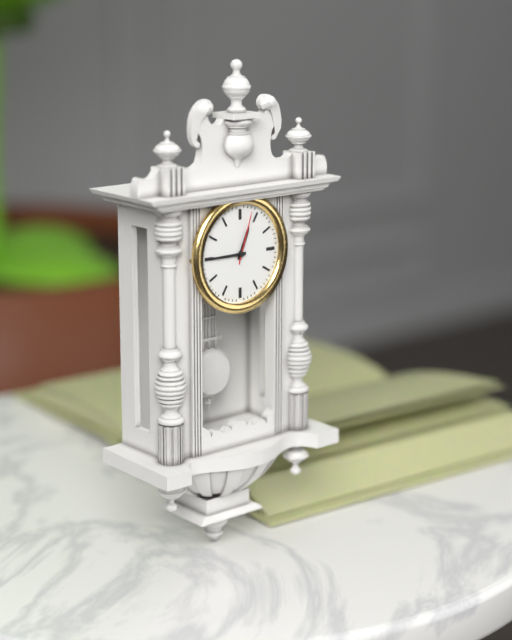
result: h=12 m=45 s=3
